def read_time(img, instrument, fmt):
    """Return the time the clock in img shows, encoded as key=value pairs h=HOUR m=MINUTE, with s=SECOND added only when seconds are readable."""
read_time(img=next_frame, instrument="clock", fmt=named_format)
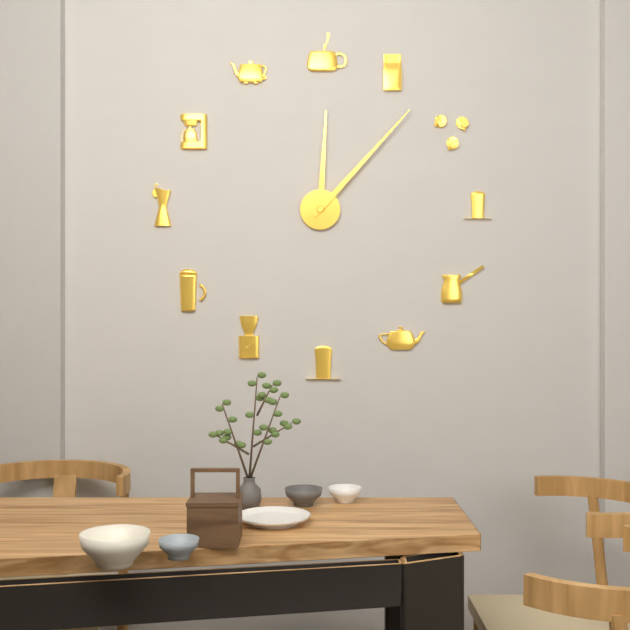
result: h=12 m=7
